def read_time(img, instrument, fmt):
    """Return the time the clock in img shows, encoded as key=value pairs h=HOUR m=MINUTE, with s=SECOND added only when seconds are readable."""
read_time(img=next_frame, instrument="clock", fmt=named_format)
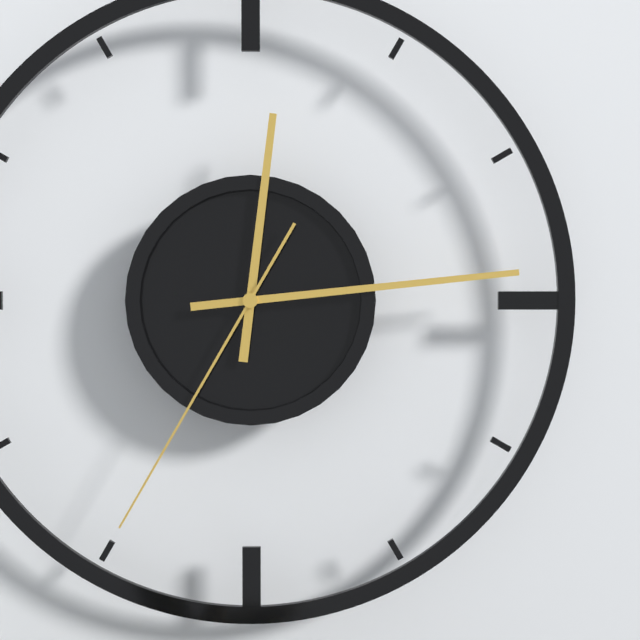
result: h=12 m=14 s=35
